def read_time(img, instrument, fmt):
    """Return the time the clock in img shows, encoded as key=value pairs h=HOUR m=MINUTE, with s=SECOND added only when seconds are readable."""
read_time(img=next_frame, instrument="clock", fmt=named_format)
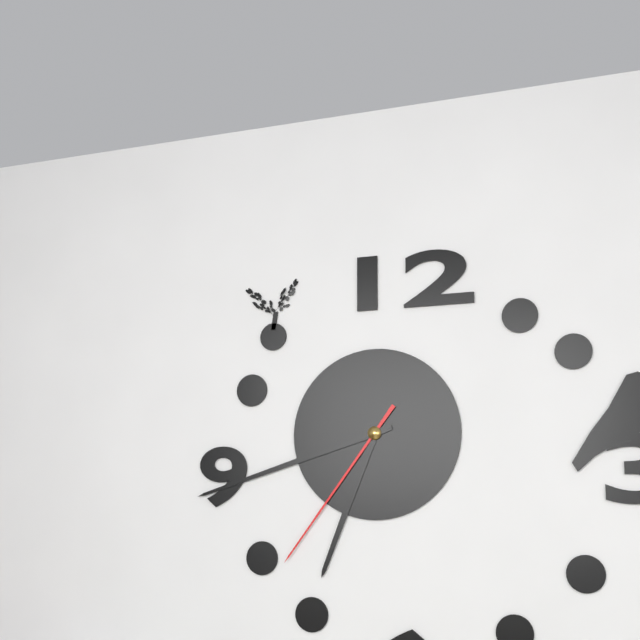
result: h=6 m=42 s=36
